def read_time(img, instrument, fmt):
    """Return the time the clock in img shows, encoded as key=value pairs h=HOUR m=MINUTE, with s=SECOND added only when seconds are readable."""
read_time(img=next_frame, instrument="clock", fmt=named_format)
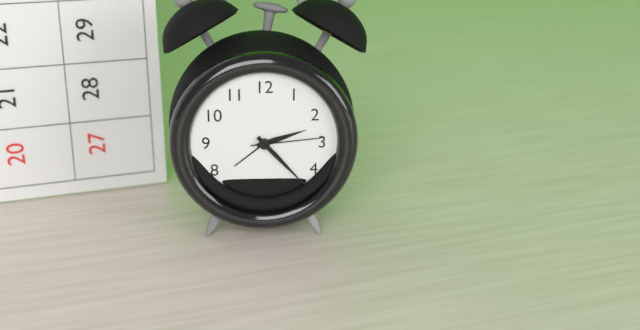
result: h=2 m=23 s=14
